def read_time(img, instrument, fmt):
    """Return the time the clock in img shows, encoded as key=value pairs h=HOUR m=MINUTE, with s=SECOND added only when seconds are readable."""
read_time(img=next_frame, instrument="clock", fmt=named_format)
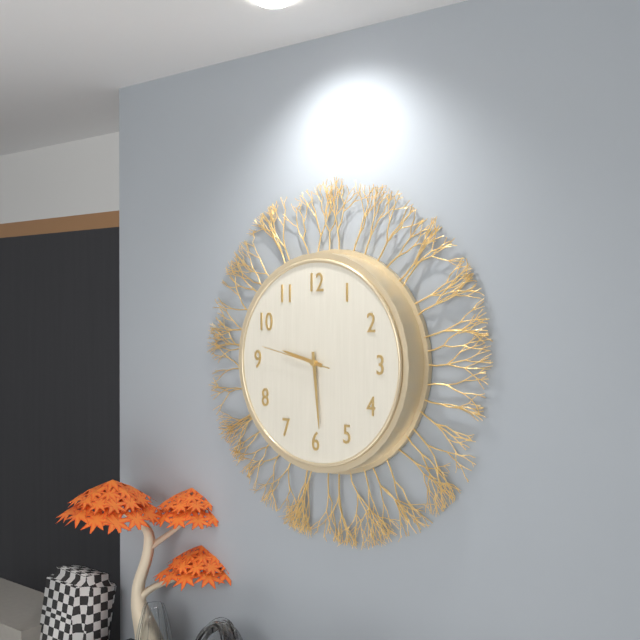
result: h=9 m=29 s=47
